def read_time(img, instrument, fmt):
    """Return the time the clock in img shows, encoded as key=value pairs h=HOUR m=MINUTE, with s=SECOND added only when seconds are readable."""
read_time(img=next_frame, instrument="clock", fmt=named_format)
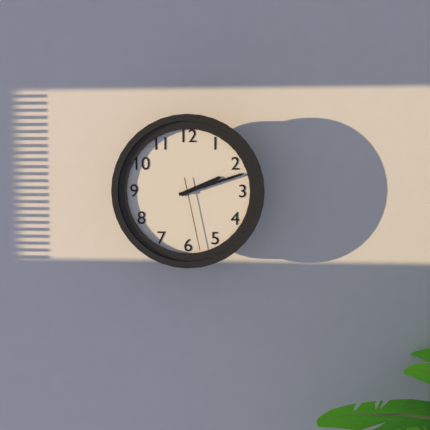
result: h=2 m=12 s=28
